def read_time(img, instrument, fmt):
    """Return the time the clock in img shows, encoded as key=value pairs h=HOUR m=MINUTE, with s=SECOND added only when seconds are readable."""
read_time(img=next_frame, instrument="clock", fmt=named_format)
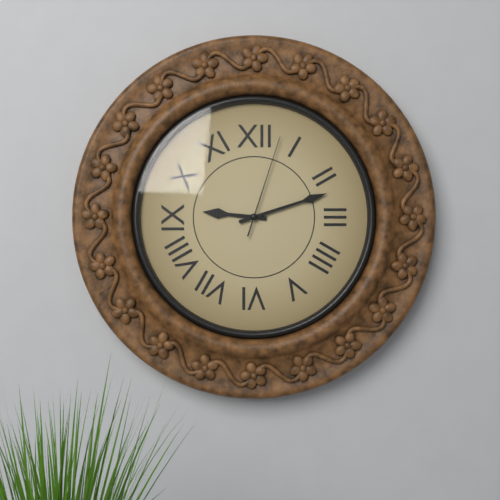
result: h=9 m=12 s=3
